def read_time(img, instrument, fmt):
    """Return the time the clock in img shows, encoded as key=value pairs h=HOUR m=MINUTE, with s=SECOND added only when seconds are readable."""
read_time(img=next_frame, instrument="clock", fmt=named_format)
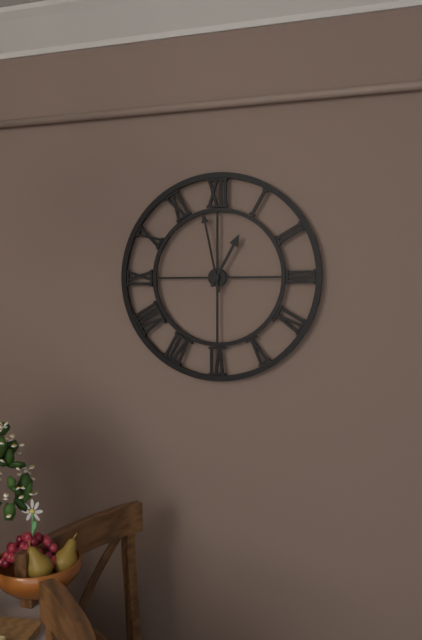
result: h=12 m=58
